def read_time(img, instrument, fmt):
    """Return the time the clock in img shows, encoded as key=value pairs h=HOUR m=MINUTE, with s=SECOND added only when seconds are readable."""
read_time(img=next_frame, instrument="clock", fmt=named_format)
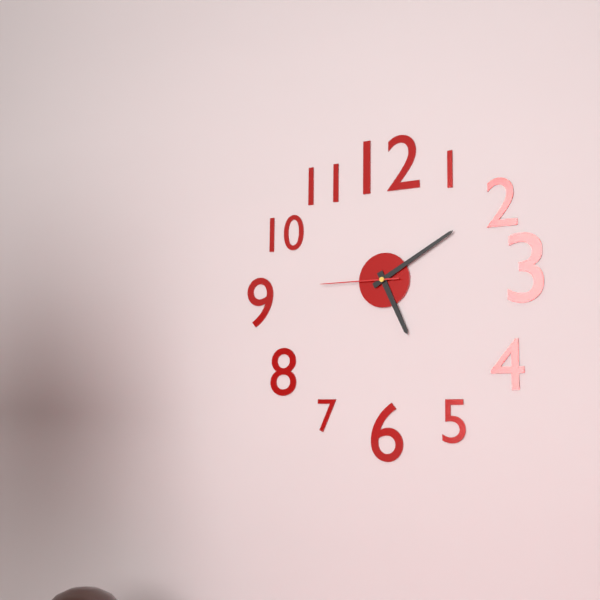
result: h=5 m=10 s=45
